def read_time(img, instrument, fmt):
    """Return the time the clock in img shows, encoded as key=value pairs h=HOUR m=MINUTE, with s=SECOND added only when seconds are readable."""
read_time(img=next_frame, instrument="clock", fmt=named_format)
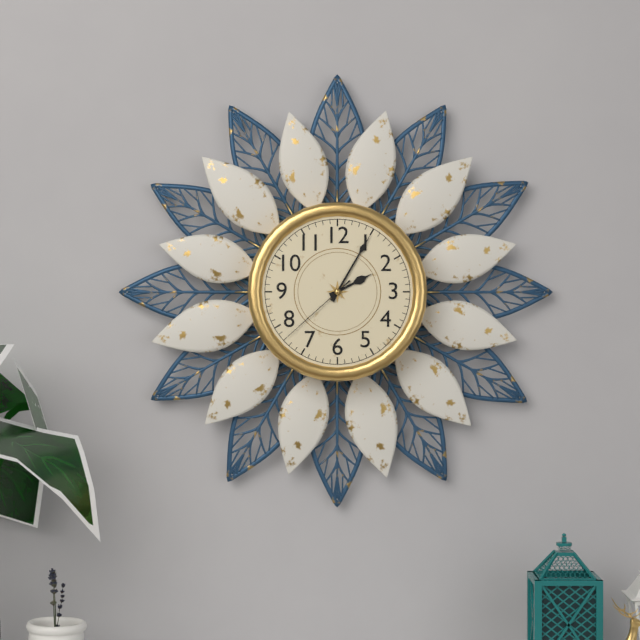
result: h=2 m=5 s=38
